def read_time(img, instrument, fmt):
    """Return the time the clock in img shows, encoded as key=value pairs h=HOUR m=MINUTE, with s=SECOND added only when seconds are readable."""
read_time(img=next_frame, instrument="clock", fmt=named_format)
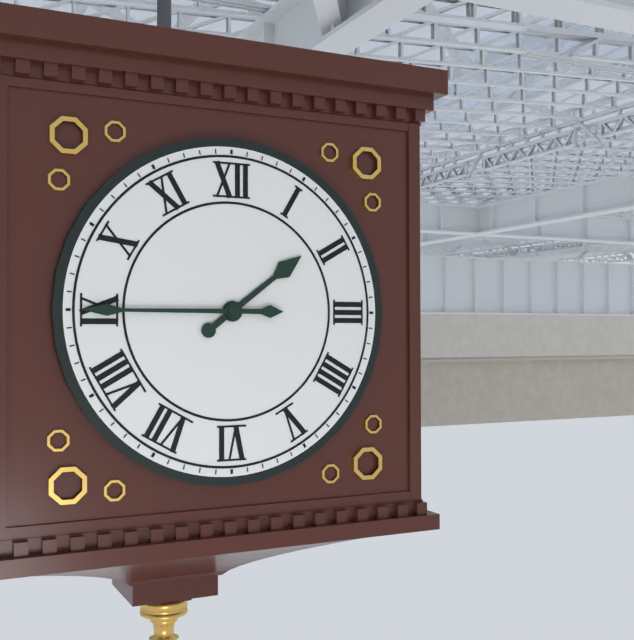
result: h=1 m=45
